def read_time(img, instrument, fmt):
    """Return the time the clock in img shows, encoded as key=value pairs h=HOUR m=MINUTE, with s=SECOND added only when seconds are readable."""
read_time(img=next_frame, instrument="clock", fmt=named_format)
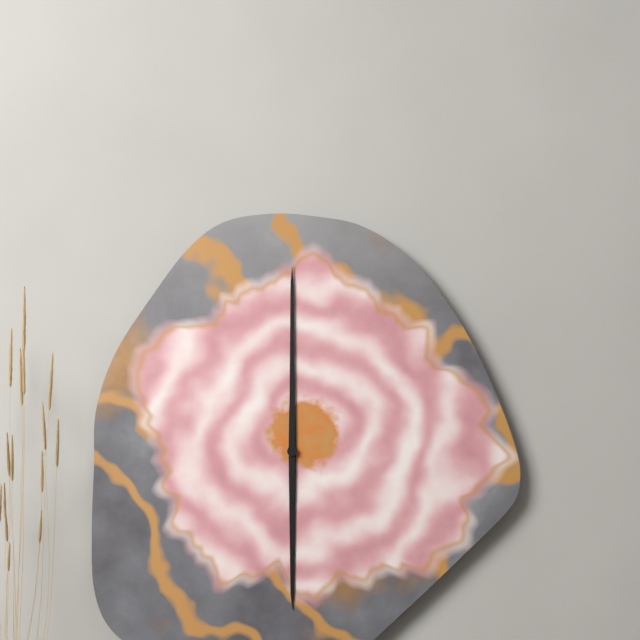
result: h=6 m=0
